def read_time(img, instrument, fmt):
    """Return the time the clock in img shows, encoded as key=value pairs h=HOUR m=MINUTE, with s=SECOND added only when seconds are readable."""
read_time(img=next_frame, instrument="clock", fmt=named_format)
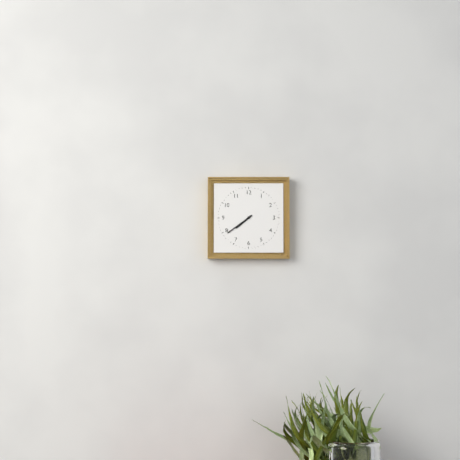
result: h=7 m=39
